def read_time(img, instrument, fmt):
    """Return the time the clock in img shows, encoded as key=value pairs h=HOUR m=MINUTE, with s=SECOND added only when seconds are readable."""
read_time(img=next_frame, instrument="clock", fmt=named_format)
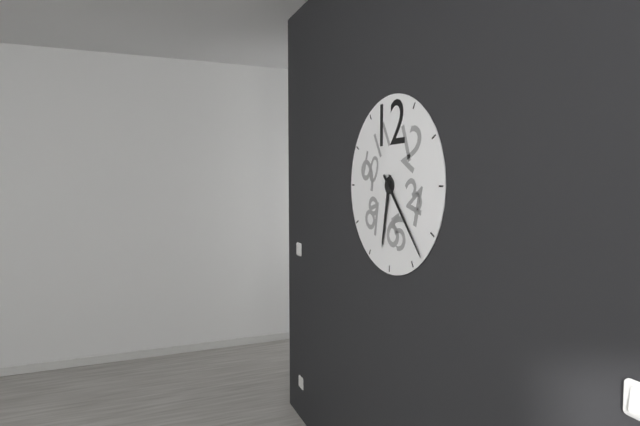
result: h=6 m=23
